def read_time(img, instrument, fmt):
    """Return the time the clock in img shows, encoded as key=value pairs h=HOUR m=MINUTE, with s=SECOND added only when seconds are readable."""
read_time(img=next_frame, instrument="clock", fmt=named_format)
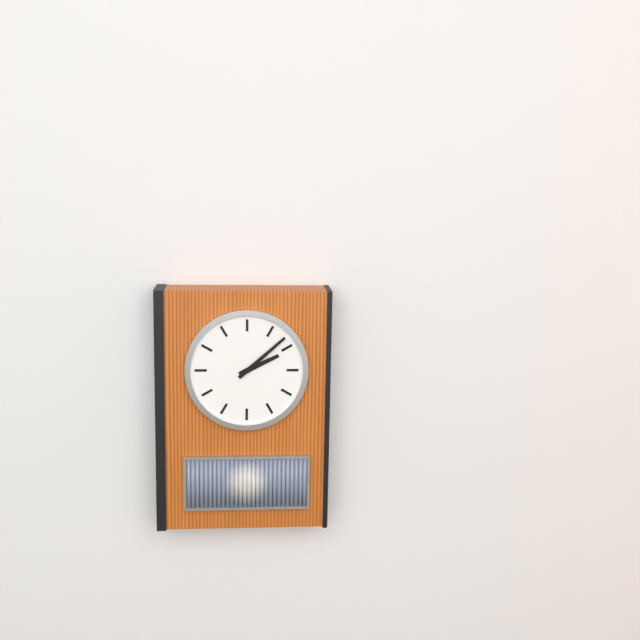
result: h=2 m=8
